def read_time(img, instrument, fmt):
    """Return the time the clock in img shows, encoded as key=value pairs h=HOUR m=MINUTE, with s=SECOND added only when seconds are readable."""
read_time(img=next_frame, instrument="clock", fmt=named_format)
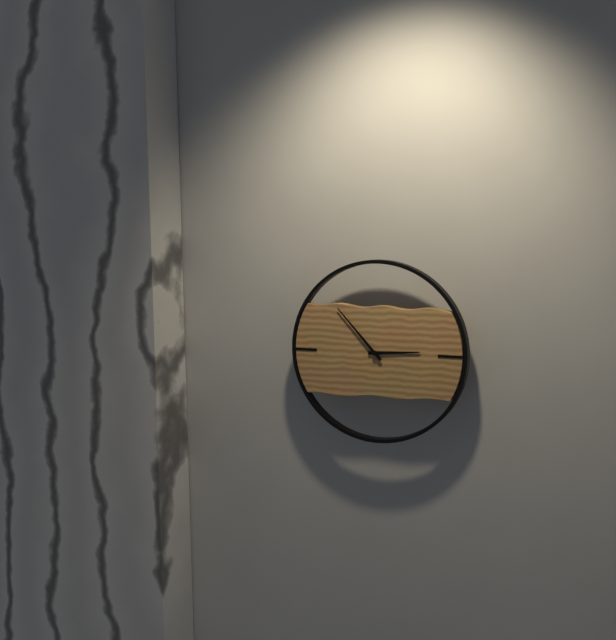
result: h=2 m=53
